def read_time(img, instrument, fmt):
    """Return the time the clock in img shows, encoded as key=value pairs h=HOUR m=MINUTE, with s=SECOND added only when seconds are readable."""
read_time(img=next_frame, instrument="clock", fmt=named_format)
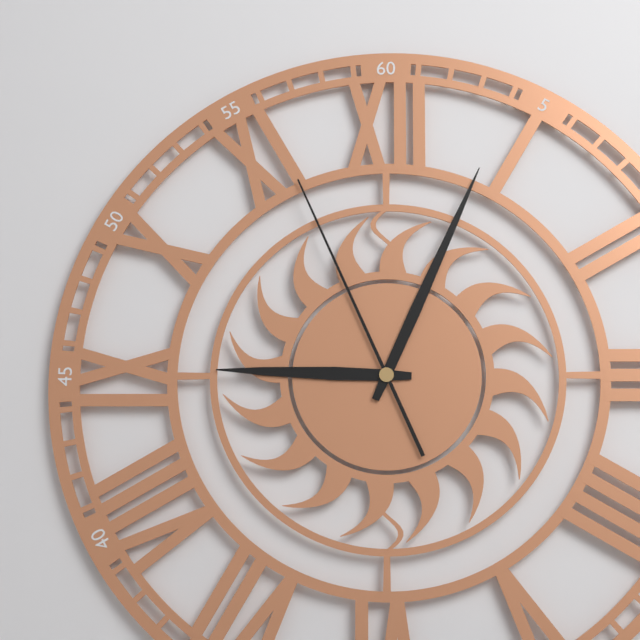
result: h=9 m=4 s=56
